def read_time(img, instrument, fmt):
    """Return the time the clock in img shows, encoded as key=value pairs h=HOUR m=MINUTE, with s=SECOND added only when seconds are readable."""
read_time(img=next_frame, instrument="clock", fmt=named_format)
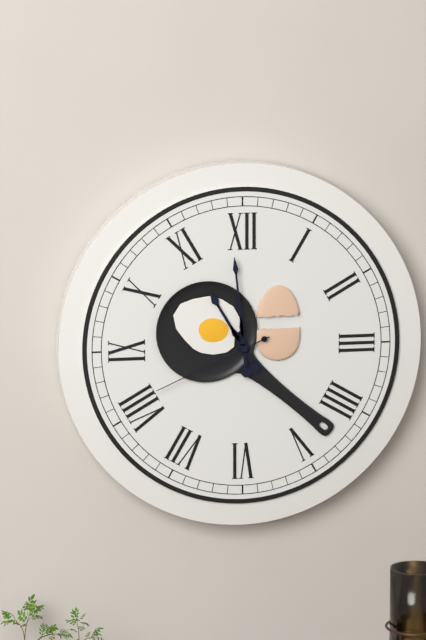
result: h=10 m=59 s=41
